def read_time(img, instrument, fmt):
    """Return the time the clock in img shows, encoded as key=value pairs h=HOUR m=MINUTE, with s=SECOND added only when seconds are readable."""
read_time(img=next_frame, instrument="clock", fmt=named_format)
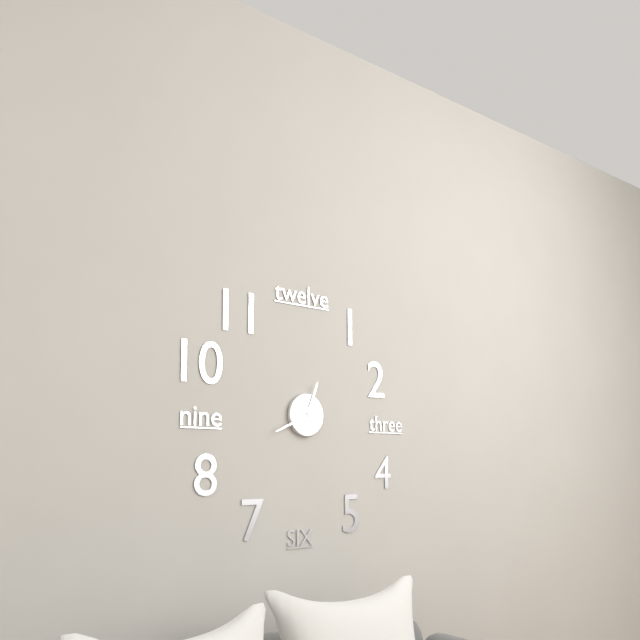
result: h=12 m=41
